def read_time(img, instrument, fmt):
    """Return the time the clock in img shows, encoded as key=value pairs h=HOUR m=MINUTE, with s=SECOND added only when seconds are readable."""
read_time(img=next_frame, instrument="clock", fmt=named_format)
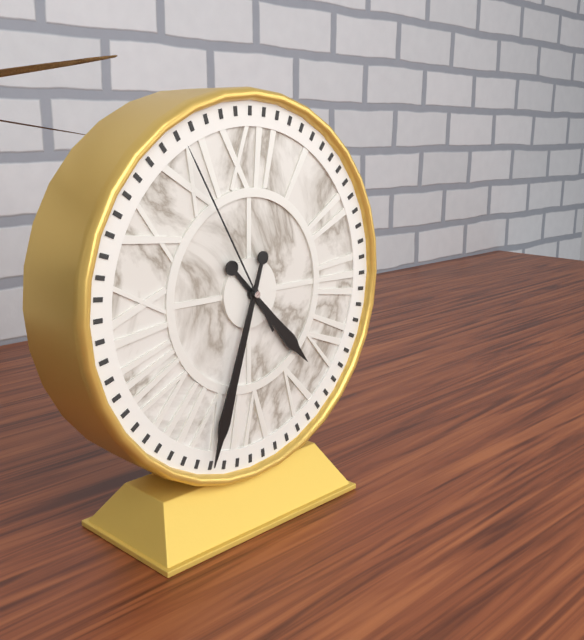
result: h=4 m=33 s=55
